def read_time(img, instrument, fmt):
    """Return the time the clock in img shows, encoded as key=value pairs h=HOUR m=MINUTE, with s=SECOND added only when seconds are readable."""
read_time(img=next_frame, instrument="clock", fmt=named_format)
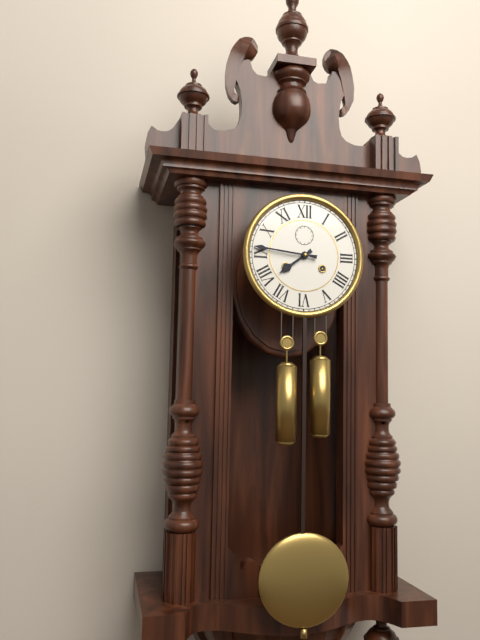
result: h=7 m=46
